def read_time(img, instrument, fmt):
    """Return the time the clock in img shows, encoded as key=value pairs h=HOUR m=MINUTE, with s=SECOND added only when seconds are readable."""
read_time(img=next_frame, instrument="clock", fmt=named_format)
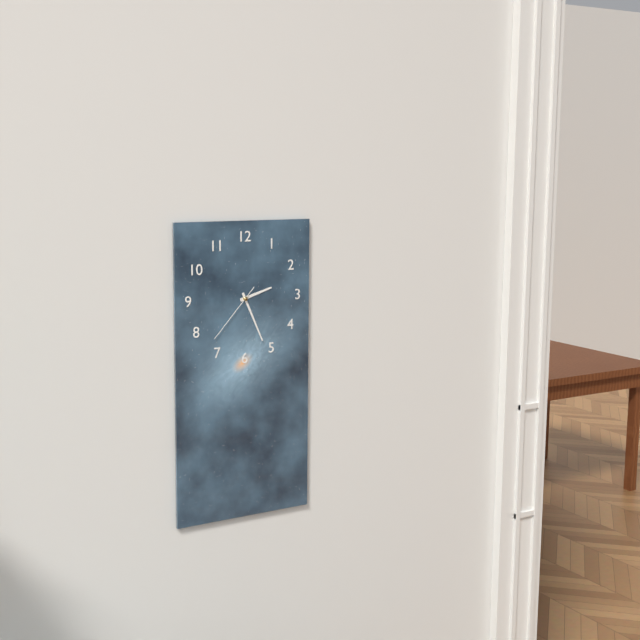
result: h=2 m=26 s=37
